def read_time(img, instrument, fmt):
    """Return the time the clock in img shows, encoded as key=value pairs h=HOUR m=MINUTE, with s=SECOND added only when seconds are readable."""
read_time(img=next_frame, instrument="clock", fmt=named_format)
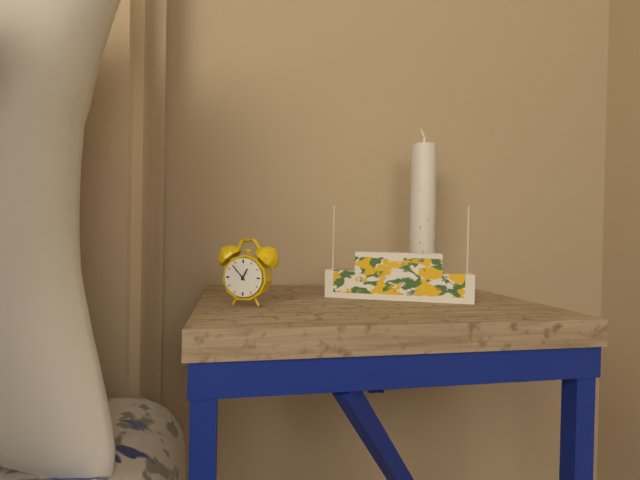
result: h=12 m=53
